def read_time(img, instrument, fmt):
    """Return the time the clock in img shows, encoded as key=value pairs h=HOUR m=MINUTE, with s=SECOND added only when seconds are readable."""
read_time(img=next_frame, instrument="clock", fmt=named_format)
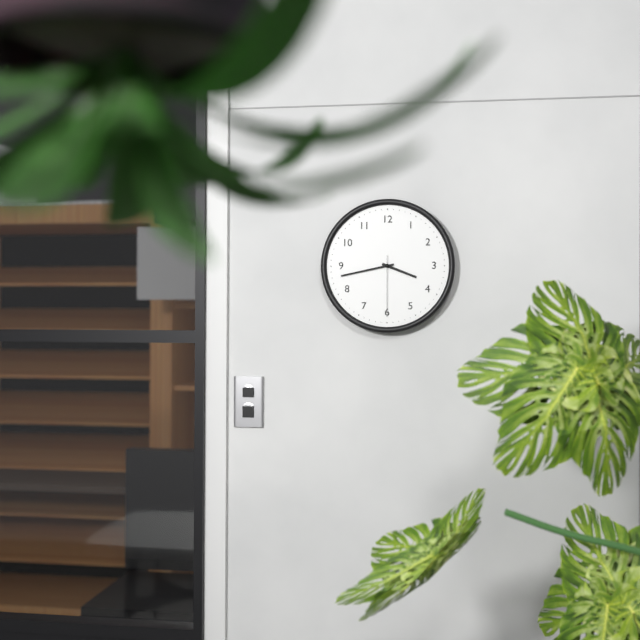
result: h=3 m=43 s=30
